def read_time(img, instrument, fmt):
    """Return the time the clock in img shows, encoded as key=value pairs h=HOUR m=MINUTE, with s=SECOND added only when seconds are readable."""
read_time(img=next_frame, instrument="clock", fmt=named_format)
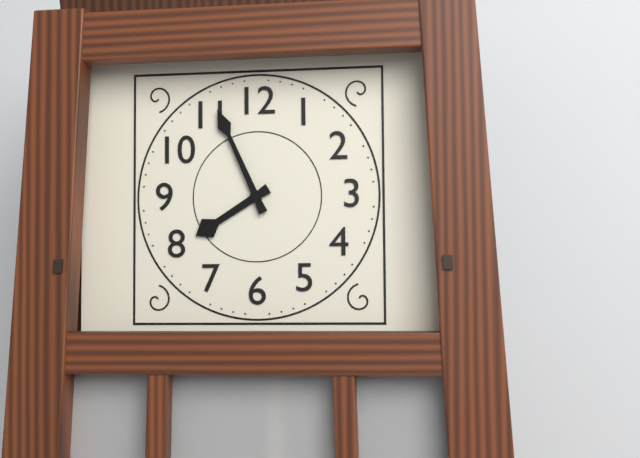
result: h=7 m=56
